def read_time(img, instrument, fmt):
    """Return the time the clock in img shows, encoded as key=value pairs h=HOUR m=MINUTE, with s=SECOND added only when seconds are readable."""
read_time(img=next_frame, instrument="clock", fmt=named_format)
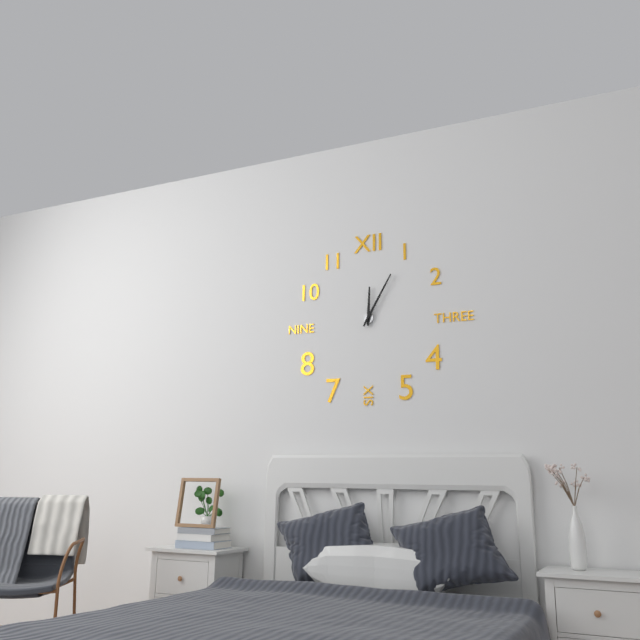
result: h=12 m=5
